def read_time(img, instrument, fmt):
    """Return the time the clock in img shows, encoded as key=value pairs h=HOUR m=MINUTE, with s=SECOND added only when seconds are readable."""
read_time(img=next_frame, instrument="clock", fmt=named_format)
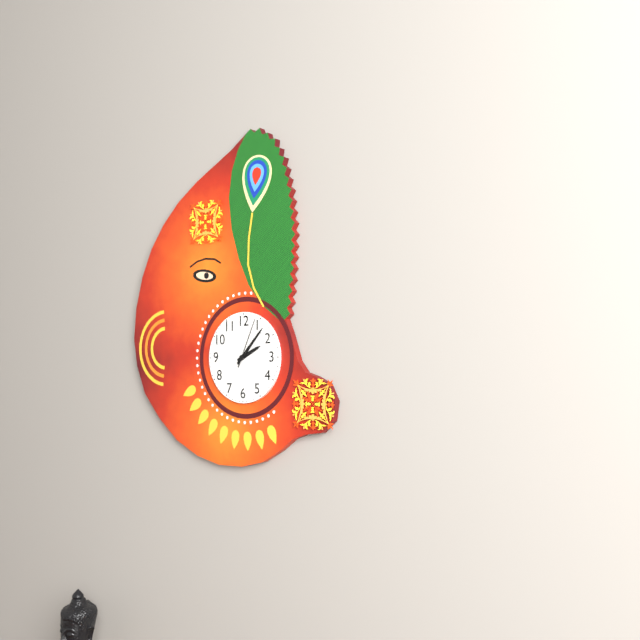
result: h=2 m=7 s=4
